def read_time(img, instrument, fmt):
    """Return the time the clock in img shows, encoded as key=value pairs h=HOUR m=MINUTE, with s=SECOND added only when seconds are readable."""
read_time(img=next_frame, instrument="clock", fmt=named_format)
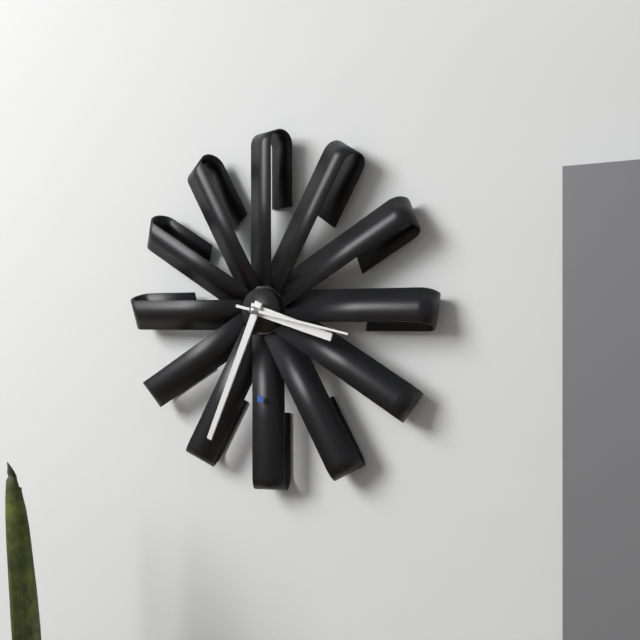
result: h=3 m=34 s=17
